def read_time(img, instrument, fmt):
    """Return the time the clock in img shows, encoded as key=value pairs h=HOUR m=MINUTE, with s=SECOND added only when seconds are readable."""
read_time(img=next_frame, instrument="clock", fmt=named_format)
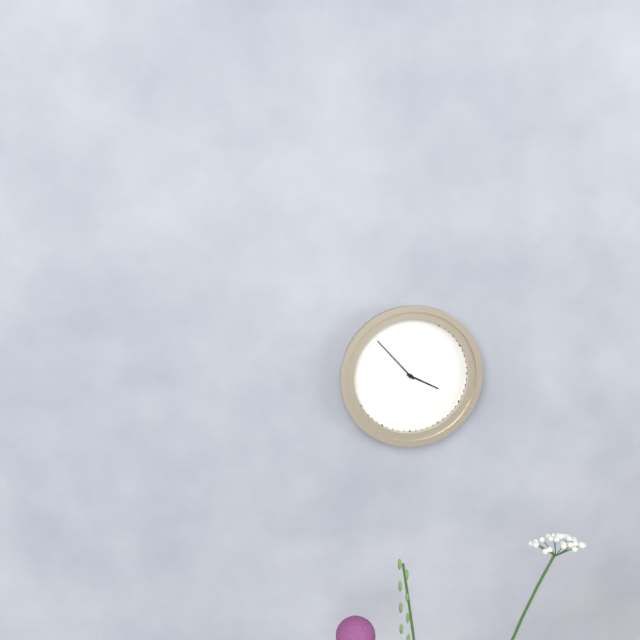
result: h=3 m=53
